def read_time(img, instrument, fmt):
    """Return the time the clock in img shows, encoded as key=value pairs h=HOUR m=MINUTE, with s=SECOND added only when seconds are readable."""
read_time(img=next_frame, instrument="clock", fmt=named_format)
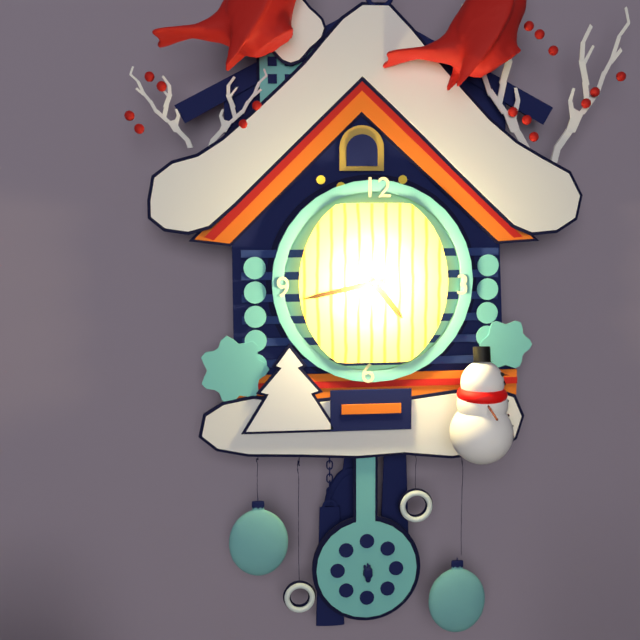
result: h=4 m=43
